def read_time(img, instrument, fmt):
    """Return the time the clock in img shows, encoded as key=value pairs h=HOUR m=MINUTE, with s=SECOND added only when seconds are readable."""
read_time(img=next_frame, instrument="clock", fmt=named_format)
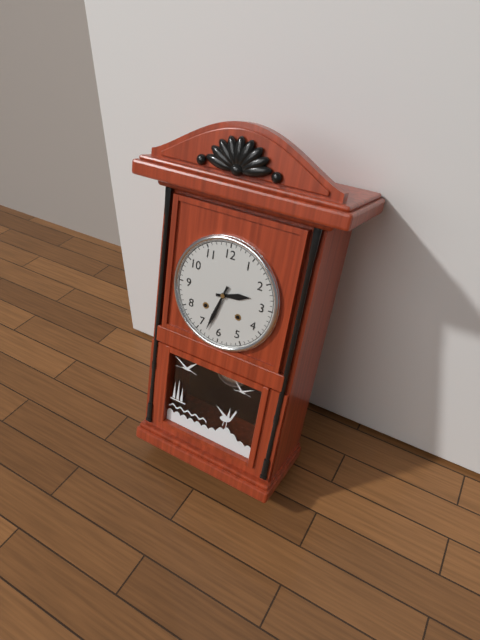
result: h=2 m=33
